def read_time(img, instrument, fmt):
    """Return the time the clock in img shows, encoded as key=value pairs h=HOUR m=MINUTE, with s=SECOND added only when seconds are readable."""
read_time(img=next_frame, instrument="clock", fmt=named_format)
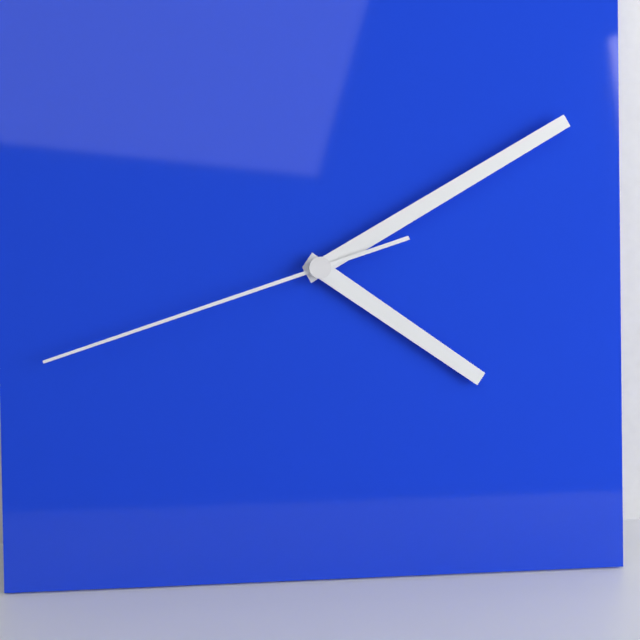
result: h=4 m=10 s=42
